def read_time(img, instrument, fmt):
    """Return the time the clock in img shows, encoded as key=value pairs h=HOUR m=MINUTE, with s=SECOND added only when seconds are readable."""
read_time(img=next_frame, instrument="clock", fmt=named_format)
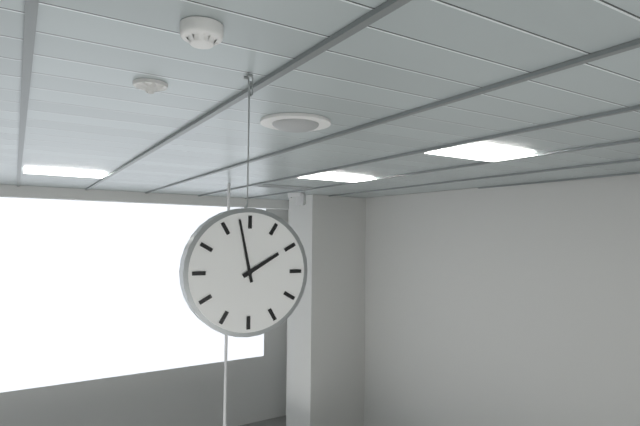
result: h=1 m=58
